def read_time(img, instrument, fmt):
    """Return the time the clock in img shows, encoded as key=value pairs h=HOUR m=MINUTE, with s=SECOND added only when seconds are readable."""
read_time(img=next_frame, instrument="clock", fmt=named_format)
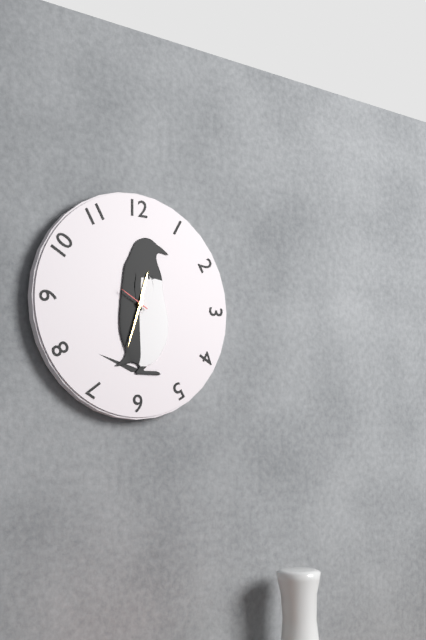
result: h=12 m=33
